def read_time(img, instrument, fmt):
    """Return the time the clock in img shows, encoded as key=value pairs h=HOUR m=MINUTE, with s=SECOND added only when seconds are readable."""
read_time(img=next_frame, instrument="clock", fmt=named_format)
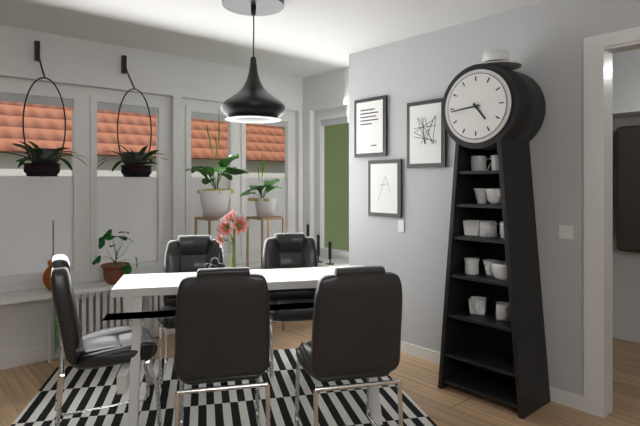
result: h=4 m=44
